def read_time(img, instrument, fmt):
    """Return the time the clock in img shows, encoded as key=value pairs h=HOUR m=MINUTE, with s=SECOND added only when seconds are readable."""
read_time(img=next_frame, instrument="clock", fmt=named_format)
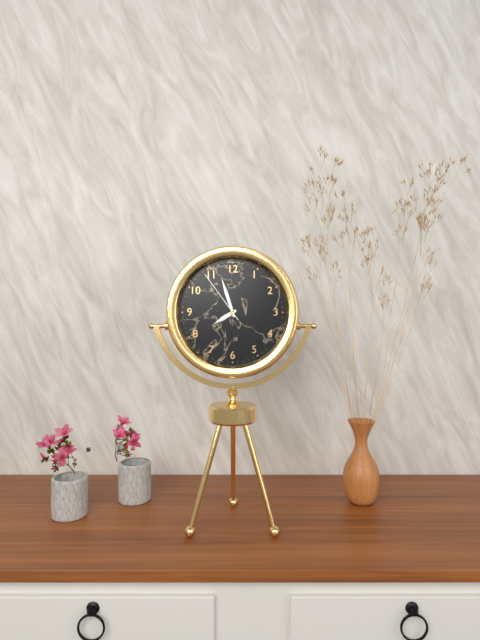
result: h=7 m=57 s=54
